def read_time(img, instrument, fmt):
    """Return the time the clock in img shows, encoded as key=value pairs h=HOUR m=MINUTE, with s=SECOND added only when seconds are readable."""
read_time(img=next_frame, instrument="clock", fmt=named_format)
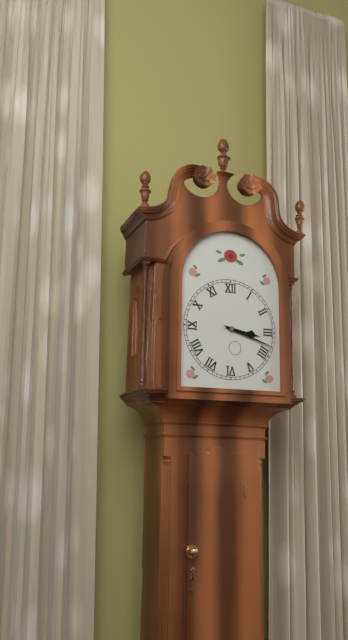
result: h=3 m=18
